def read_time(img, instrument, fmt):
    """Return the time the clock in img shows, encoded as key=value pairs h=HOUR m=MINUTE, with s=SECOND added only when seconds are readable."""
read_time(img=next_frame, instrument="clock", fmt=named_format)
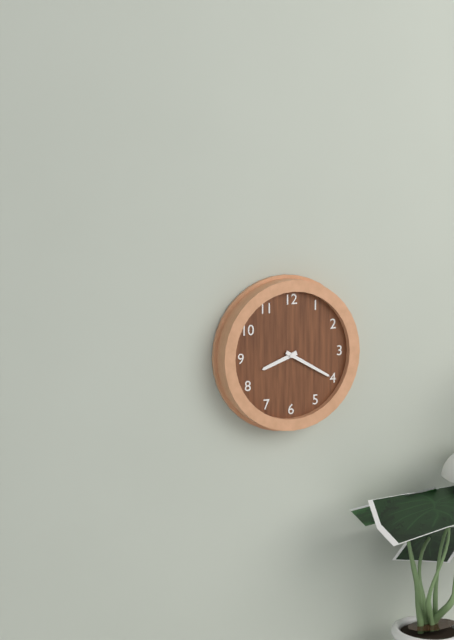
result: h=8 m=20
